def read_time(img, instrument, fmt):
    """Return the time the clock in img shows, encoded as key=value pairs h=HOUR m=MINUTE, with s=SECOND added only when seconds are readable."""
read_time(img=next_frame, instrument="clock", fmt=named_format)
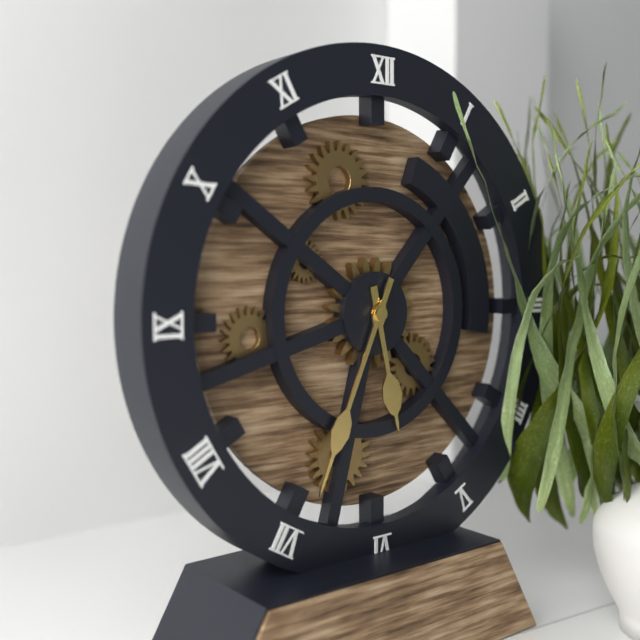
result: h=5 m=34
